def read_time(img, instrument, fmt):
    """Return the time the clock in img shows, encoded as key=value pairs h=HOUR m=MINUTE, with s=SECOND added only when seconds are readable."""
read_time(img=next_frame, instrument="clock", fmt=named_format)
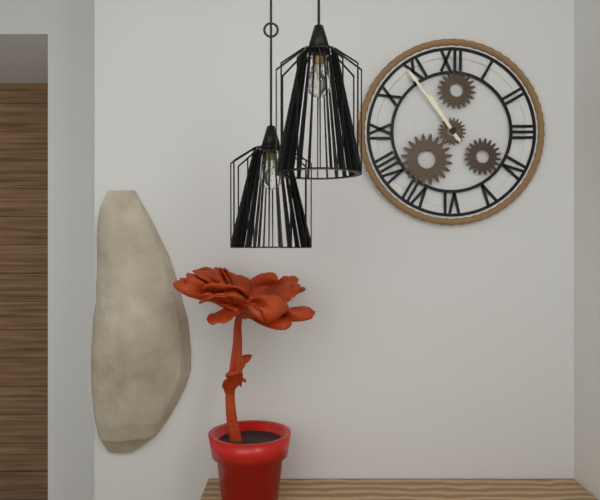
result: h=10 m=54
